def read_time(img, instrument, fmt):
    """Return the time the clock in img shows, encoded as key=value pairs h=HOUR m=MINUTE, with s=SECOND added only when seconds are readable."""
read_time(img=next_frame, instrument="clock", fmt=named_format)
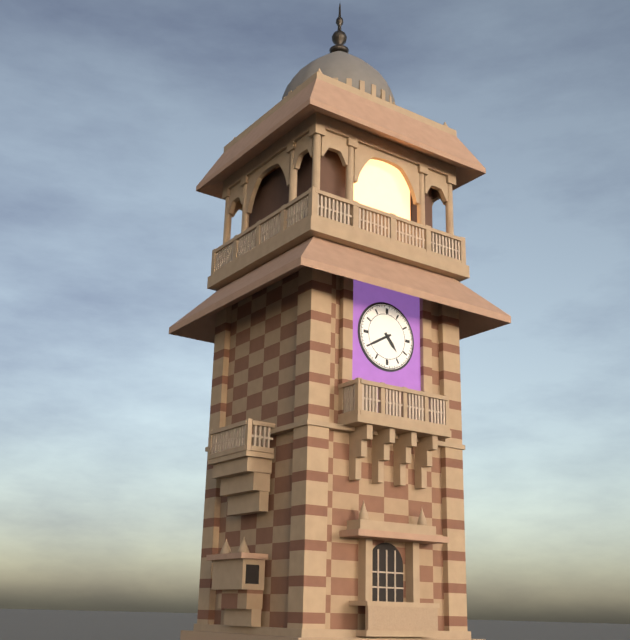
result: h=4 m=40
